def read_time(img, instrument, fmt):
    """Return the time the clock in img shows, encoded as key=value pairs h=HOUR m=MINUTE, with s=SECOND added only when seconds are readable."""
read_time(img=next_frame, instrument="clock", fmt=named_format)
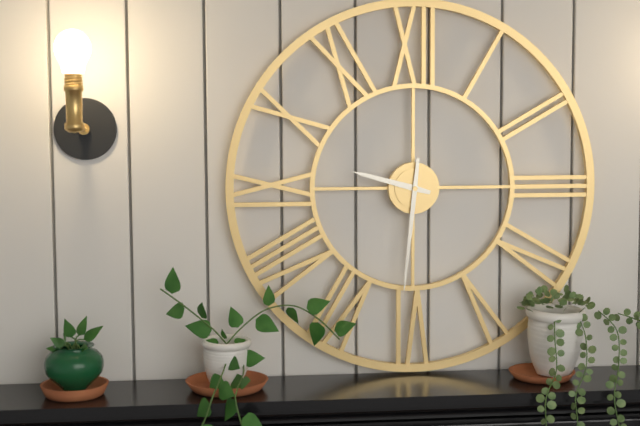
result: h=9 m=31
